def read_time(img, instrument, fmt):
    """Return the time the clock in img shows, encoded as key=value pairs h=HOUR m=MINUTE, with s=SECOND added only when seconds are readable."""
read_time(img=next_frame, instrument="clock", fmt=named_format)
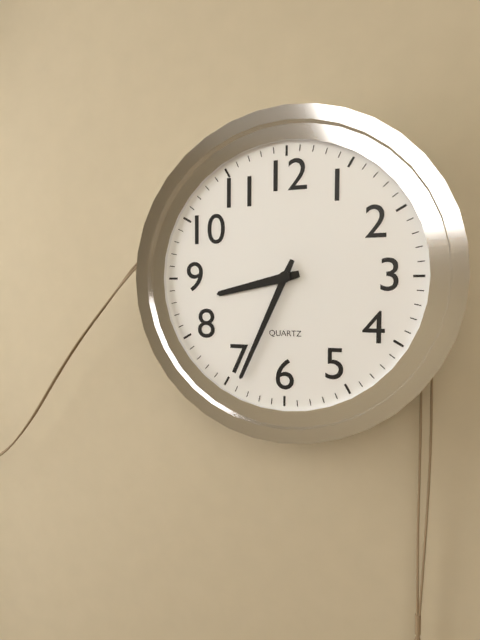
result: h=8 m=34
